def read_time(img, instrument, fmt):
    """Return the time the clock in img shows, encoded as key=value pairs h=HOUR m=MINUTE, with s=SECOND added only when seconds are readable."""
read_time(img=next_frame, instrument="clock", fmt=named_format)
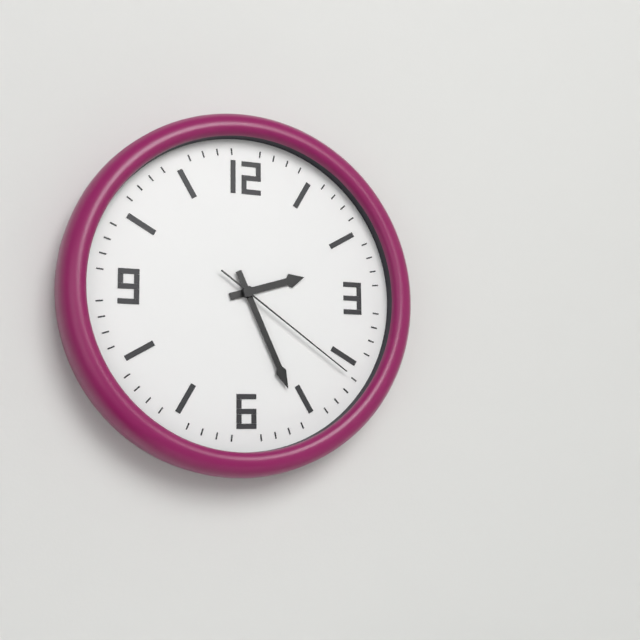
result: h=2 m=26 s=21
